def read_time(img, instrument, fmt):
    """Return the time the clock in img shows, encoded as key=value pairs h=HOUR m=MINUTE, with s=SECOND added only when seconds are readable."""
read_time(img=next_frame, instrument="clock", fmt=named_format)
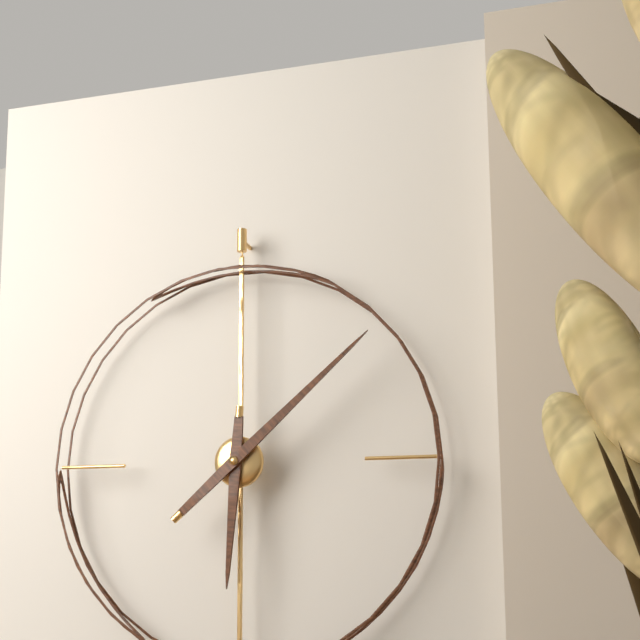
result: h=6 m=8
